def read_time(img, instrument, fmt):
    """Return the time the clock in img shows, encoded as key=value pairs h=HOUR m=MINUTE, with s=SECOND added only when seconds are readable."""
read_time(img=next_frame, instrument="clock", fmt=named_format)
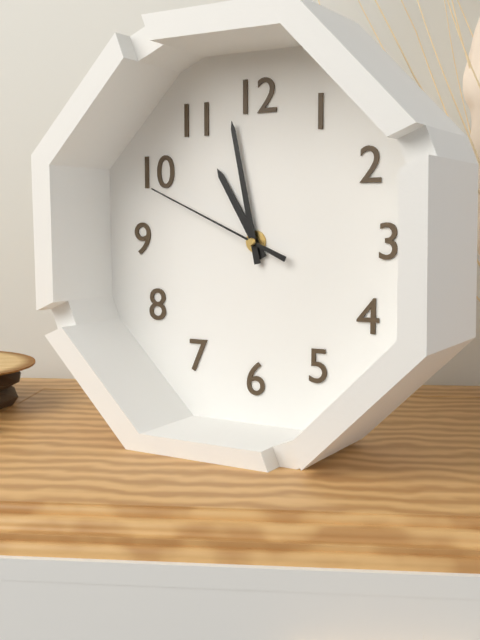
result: h=10 m=58 s=49
